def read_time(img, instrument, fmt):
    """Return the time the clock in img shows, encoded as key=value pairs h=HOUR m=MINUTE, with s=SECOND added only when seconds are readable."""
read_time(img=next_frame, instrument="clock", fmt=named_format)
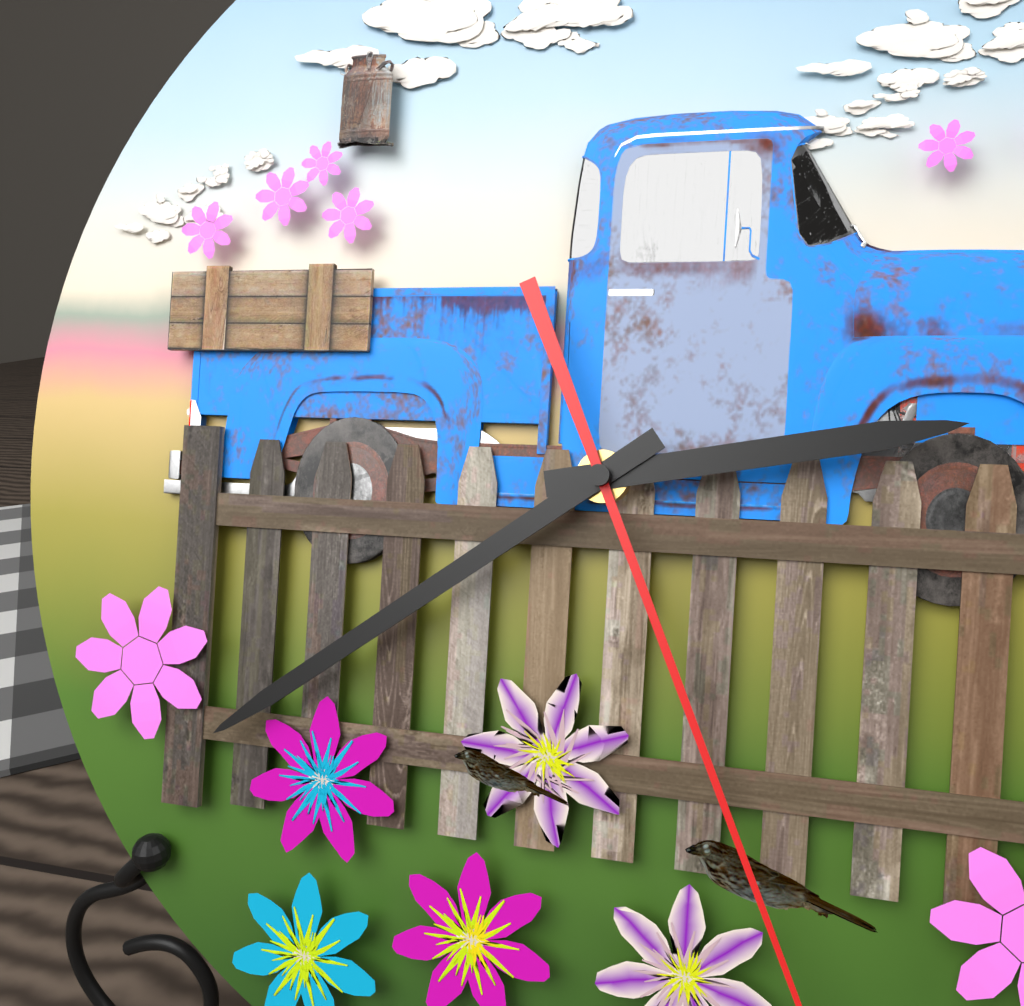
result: h=2 m=39
